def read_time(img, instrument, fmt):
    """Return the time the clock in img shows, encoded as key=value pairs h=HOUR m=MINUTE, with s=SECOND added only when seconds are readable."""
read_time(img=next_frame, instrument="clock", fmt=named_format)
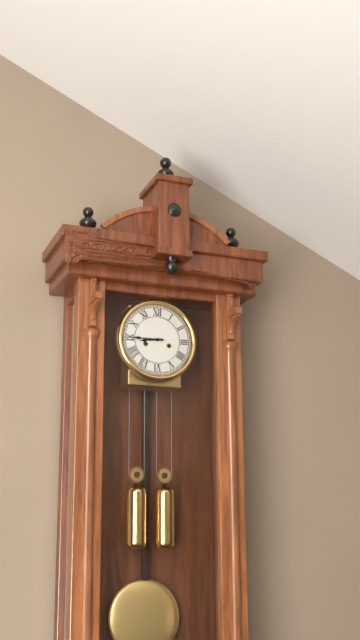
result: h=8 m=45
